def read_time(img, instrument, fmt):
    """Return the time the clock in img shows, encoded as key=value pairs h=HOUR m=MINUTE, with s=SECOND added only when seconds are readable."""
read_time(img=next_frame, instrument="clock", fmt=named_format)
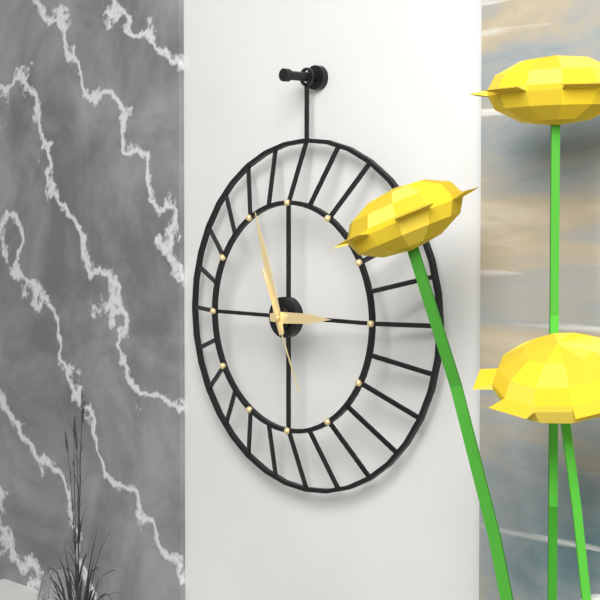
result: h=2 m=57 s=26
